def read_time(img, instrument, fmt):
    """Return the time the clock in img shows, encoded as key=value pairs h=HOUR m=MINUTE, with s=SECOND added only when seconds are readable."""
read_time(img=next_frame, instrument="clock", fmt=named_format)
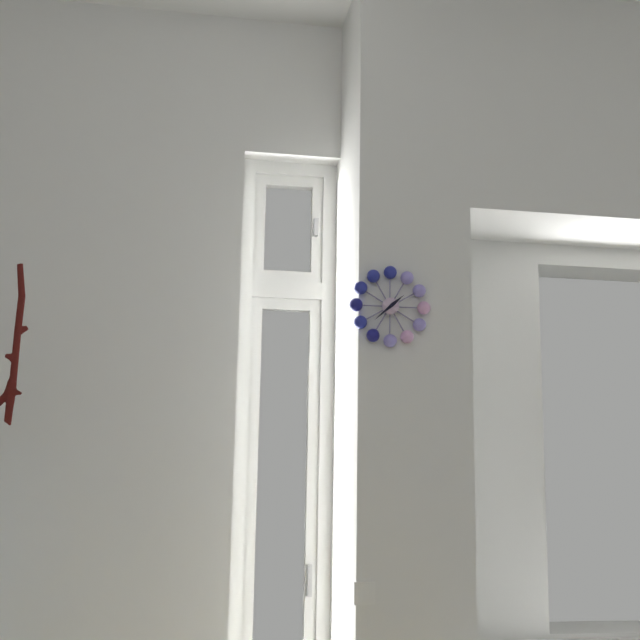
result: h=1 m=38
